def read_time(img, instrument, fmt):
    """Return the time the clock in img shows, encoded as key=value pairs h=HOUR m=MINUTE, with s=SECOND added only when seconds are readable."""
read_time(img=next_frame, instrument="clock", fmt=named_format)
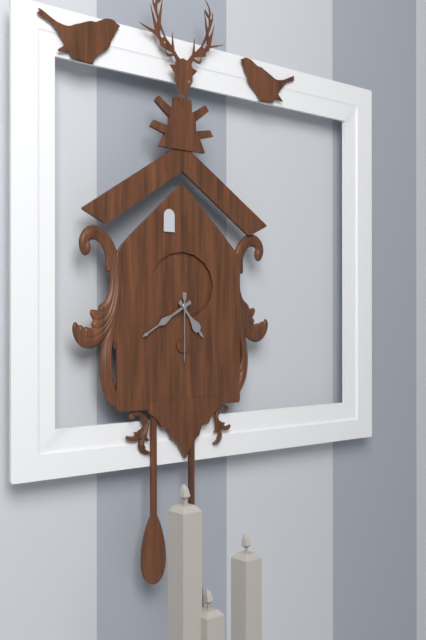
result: h=4 m=40 s=30
